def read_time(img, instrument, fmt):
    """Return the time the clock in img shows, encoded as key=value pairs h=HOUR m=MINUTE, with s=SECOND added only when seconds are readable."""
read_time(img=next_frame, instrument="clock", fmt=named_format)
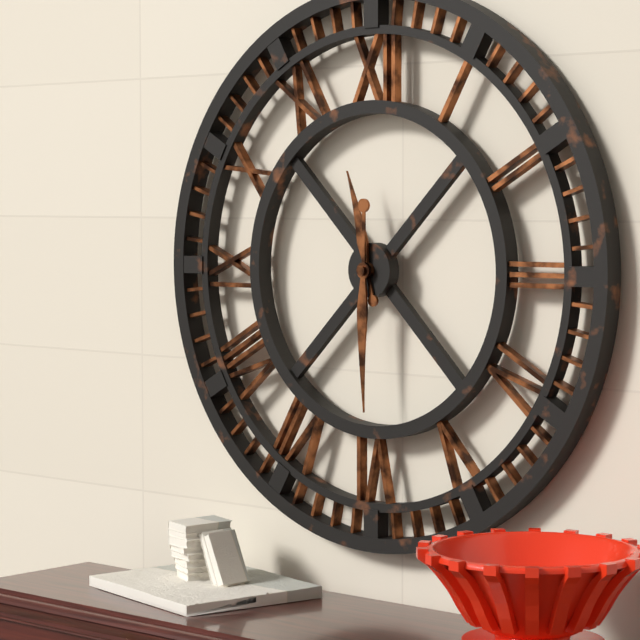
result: h=11 m=30
